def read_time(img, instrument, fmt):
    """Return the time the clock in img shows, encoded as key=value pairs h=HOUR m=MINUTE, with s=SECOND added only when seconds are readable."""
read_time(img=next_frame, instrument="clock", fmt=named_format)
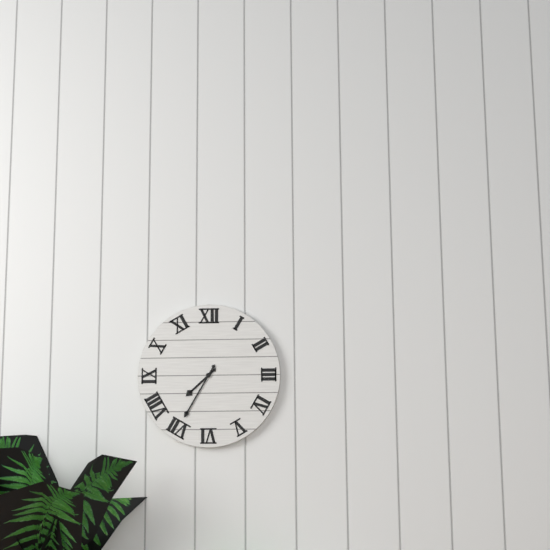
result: h=7 m=35
